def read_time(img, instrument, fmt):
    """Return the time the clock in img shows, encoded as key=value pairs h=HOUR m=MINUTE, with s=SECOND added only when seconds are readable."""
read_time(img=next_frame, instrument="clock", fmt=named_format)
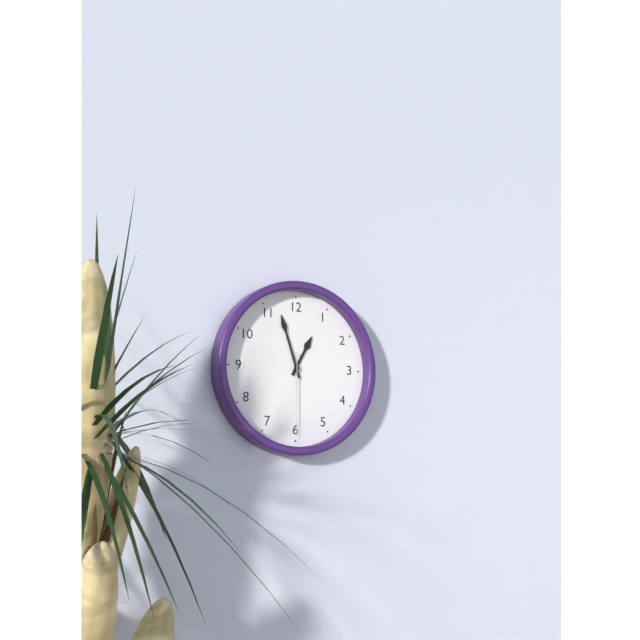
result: h=12 m=57 s=30
